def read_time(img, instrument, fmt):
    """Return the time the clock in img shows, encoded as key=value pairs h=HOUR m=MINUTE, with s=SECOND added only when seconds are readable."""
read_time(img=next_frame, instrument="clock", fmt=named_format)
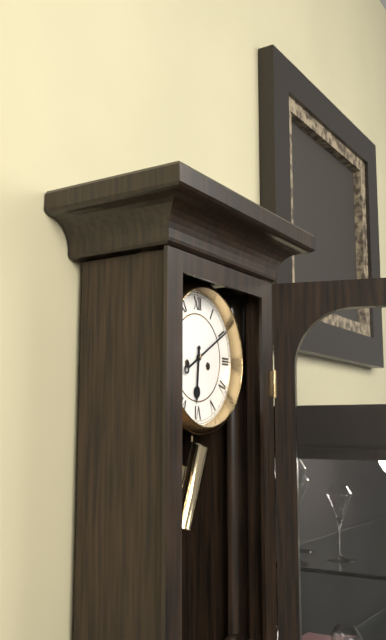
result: h=6 m=10
